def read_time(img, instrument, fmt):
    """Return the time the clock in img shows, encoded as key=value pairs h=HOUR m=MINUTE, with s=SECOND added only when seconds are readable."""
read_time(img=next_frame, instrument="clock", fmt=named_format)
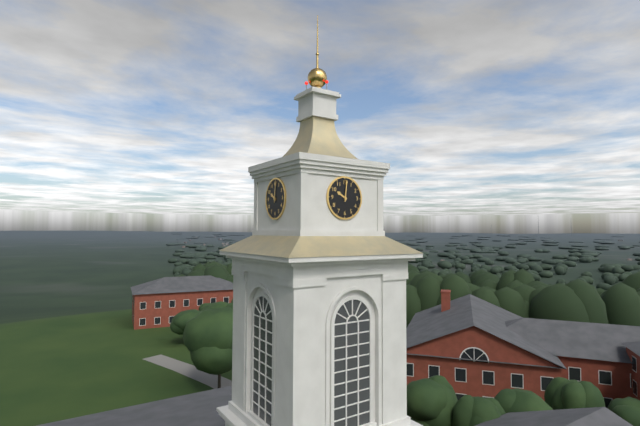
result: h=10 m=1
